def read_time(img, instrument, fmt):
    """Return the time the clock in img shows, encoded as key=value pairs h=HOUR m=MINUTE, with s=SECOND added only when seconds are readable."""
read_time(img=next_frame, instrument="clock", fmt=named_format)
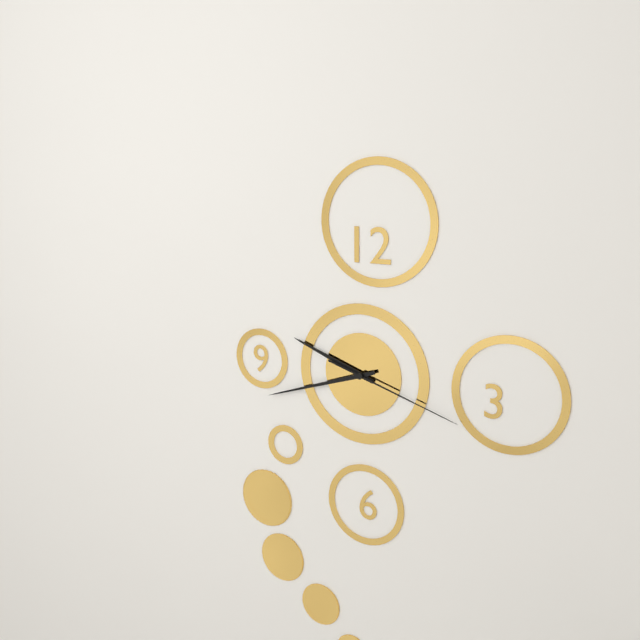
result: h=9 m=42 s=18
